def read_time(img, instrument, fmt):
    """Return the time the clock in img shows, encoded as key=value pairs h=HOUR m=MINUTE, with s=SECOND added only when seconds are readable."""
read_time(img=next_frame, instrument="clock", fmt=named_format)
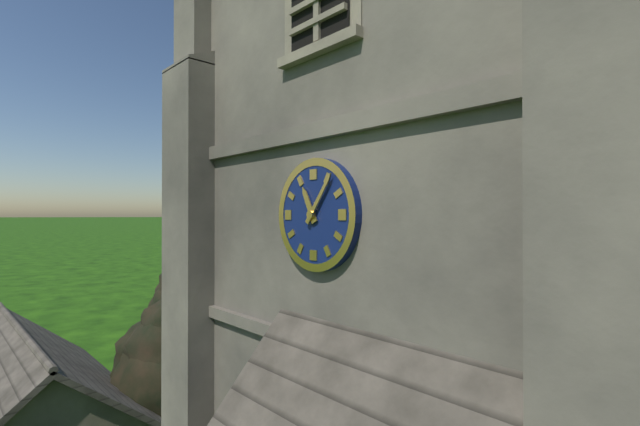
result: h=11 m=6
